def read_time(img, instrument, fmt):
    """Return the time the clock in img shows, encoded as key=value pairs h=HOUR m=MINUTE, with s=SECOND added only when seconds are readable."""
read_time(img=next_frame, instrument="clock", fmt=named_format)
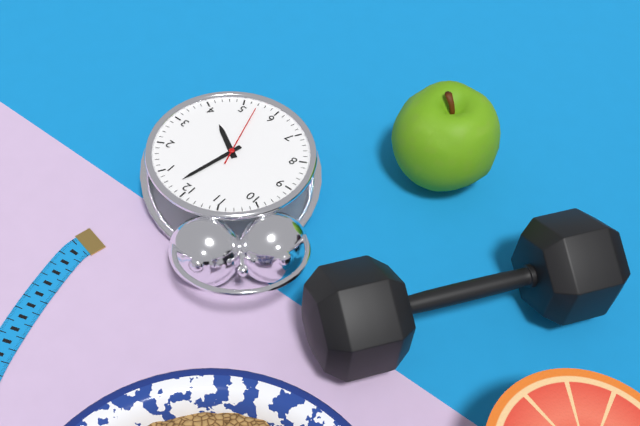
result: h=4 m=2 s=27
